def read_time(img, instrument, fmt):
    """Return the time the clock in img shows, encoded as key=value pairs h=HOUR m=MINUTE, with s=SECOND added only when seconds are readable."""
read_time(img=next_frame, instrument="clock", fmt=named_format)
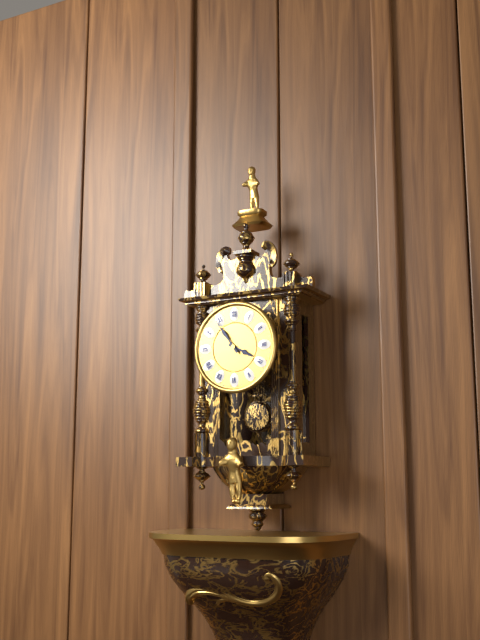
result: h=3 m=54
